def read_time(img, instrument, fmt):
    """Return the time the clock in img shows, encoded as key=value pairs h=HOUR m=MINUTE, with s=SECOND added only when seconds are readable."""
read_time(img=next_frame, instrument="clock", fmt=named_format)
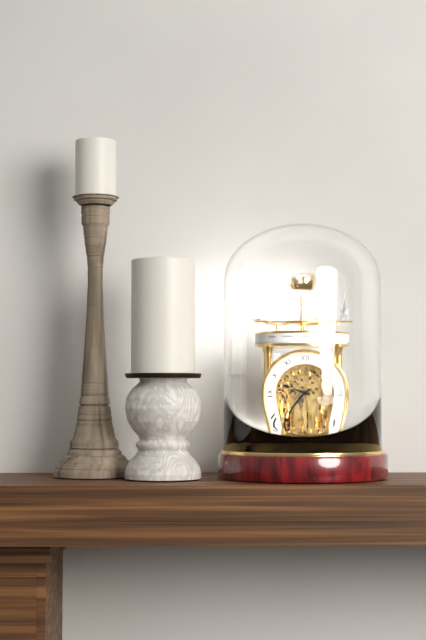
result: h=9 m=39
